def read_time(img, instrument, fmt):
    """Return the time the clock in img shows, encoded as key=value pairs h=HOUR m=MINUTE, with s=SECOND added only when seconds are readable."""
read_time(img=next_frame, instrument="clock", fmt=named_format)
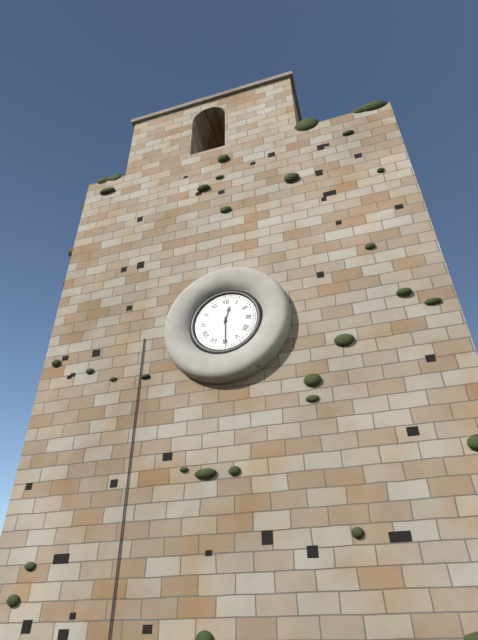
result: h=12 m=30
